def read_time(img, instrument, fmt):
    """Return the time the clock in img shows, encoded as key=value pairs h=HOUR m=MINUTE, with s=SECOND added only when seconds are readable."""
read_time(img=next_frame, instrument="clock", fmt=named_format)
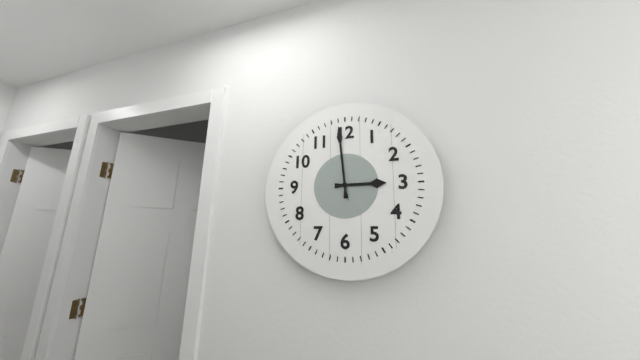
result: h=2 m=59
